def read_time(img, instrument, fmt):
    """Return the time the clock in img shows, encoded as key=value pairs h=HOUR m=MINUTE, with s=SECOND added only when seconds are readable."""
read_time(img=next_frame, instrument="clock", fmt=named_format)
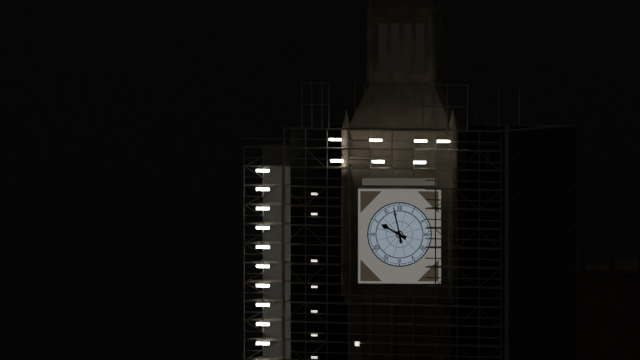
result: h=9 m=58
